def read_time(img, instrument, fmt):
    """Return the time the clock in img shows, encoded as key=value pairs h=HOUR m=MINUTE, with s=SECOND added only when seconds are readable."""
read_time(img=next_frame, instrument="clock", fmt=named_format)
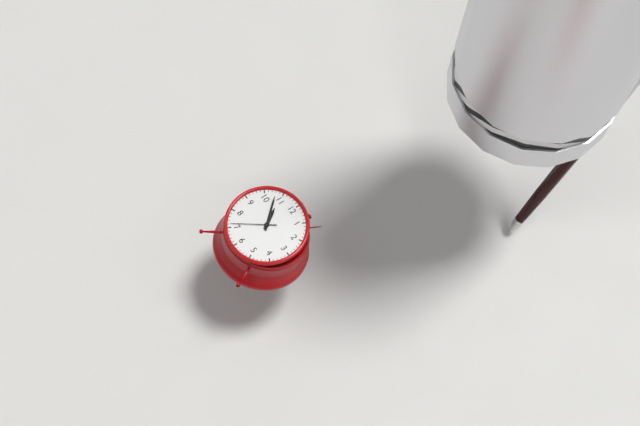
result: h=10 m=53
